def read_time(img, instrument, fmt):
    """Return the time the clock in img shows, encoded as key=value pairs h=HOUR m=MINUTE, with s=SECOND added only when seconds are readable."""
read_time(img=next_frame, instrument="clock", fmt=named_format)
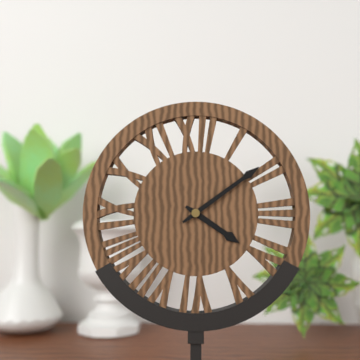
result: h=4 m=9
